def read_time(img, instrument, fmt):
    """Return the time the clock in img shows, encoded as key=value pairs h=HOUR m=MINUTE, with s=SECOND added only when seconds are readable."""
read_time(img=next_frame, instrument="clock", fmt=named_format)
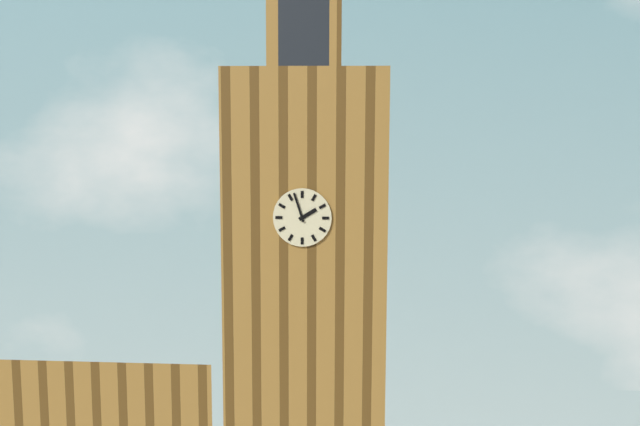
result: h=1 m=57
